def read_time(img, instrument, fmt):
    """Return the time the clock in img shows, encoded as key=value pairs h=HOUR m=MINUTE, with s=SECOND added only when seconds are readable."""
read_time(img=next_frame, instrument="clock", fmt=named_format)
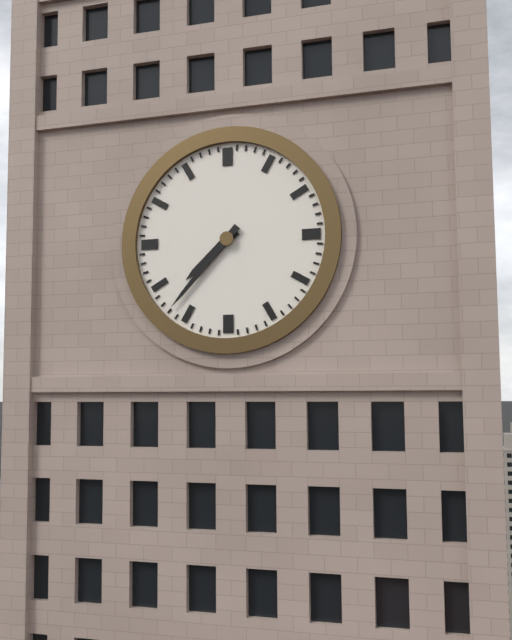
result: h=7 m=37
